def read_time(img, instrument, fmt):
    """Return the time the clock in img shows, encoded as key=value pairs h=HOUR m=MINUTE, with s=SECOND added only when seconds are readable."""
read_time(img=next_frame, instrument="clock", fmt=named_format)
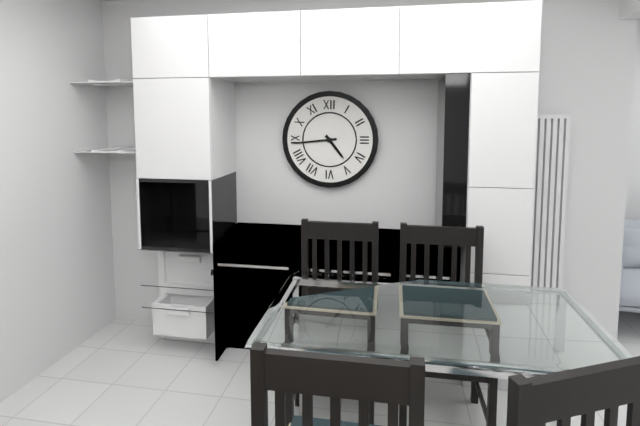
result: h=4 m=44
